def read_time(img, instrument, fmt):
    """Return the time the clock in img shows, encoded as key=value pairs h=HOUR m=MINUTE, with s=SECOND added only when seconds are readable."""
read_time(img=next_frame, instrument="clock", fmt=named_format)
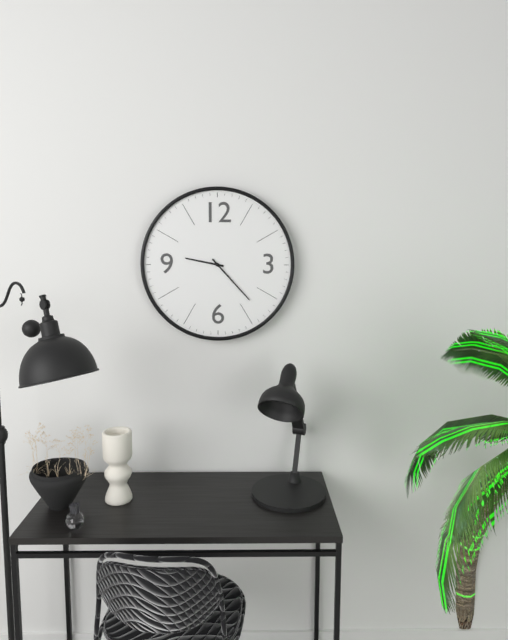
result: h=9 m=23
